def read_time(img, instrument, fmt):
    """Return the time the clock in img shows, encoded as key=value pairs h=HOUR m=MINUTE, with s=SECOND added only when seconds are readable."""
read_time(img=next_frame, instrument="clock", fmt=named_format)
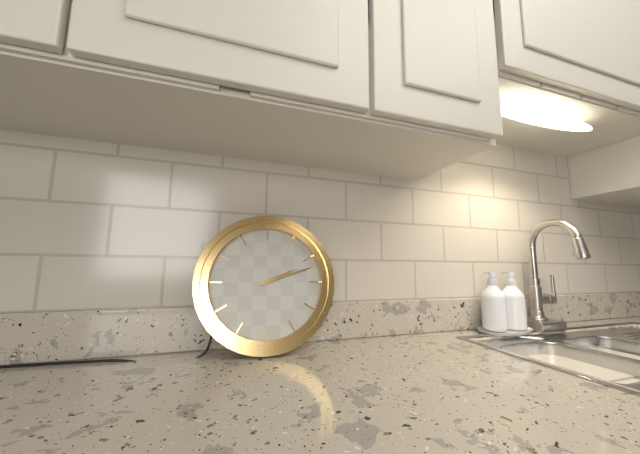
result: h=2 m=12
